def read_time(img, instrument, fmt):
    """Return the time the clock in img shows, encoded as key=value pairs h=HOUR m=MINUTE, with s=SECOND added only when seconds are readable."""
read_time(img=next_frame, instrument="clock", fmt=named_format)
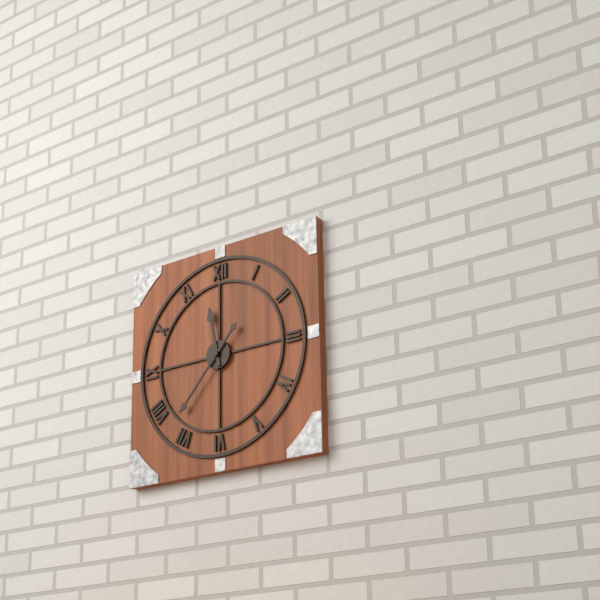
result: h=11 m=37
